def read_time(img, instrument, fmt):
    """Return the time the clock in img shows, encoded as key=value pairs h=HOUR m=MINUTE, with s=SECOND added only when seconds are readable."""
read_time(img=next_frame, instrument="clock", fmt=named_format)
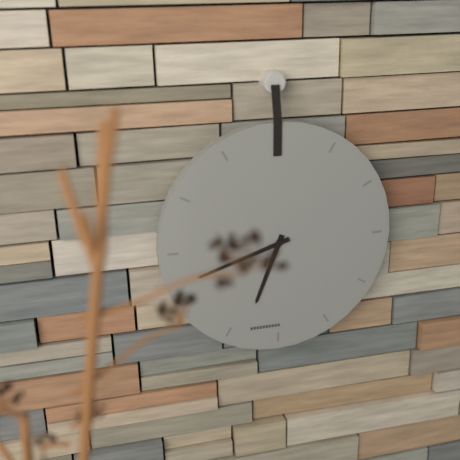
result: h=6 m=42
